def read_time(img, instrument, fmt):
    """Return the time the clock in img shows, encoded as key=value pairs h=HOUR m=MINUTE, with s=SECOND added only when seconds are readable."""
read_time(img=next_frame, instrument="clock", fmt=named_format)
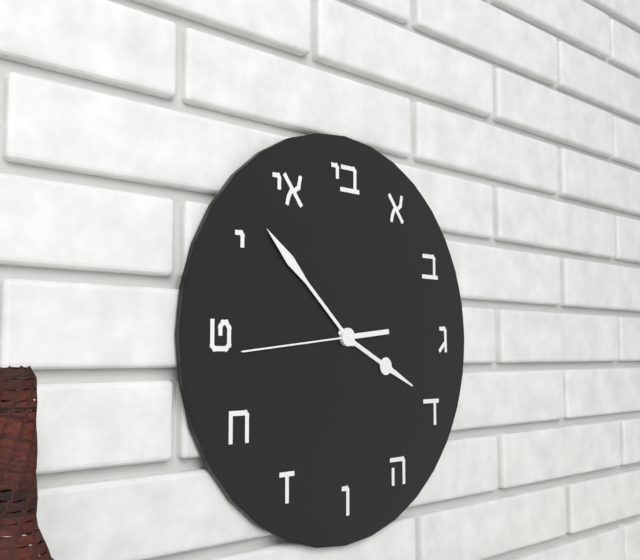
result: h=3 m=52 s=44
